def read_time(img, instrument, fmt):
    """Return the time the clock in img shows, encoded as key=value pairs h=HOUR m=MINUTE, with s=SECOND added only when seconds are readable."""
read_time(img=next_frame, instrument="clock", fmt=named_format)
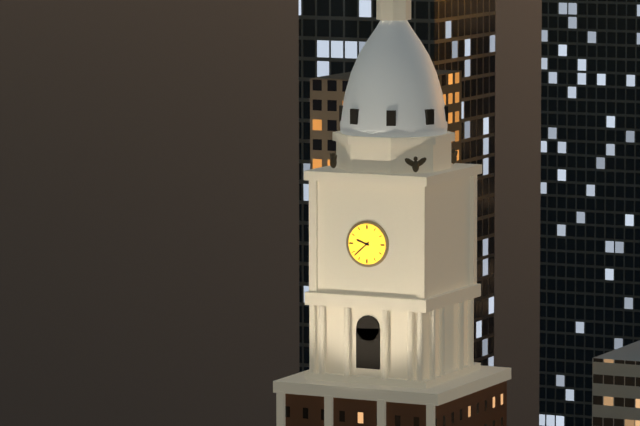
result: h=9 m=38
